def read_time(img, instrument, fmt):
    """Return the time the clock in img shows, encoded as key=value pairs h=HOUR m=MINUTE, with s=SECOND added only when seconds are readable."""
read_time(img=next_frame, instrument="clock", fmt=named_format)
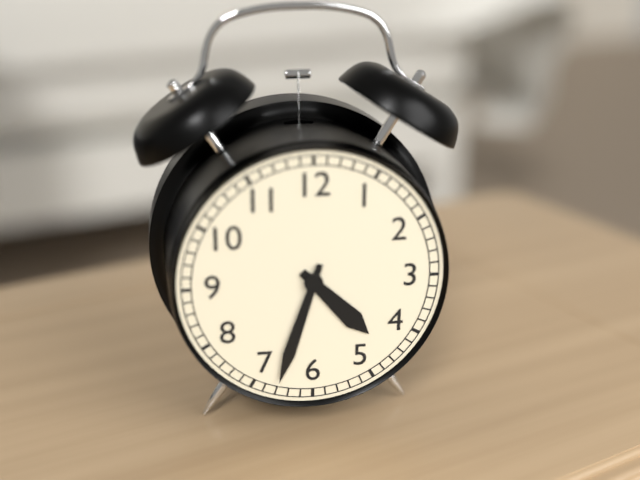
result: h=4 m=33
